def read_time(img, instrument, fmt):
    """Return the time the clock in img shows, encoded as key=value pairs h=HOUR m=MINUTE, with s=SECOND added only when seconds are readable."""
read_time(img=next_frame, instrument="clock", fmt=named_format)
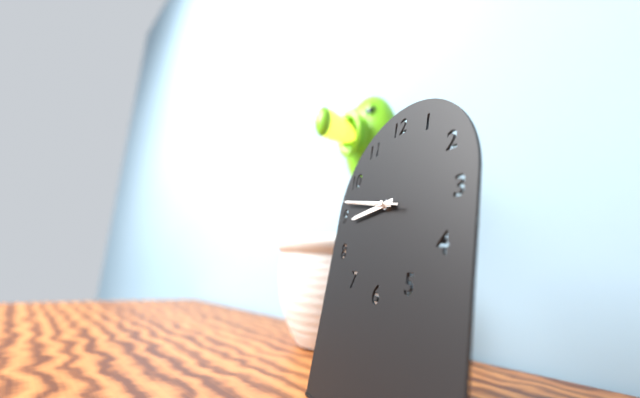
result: h=8 m=47
